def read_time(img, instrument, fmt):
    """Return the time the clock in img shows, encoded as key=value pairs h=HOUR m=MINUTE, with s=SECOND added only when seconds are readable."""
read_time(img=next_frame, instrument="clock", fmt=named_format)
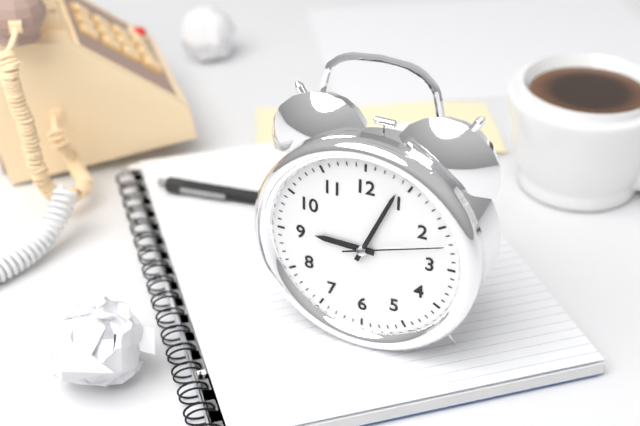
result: h=9 m=4 s=12
